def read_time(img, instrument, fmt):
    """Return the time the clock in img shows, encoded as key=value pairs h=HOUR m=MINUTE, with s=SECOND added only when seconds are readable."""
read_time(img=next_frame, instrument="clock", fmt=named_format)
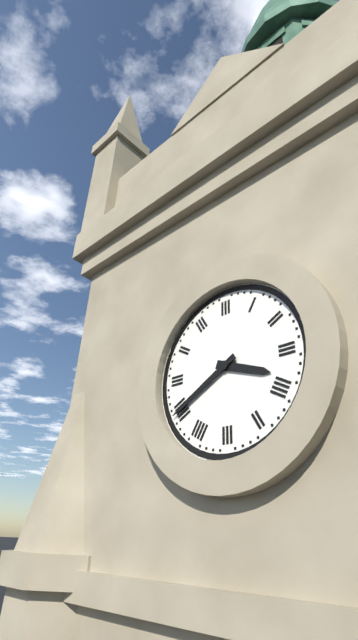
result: h=3 m=40
